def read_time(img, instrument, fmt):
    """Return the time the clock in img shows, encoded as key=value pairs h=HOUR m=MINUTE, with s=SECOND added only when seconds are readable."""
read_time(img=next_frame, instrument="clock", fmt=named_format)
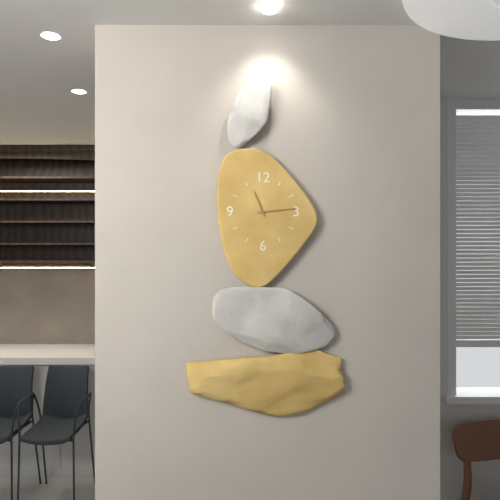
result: h=11 m=14
